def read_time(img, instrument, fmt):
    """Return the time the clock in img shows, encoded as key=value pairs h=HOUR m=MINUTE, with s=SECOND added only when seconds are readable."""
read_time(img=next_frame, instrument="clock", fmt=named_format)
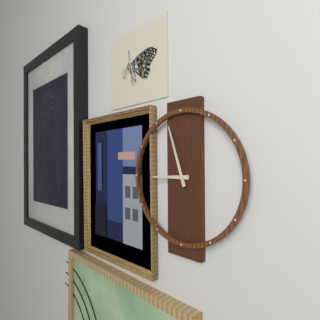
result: h=8 m=57
